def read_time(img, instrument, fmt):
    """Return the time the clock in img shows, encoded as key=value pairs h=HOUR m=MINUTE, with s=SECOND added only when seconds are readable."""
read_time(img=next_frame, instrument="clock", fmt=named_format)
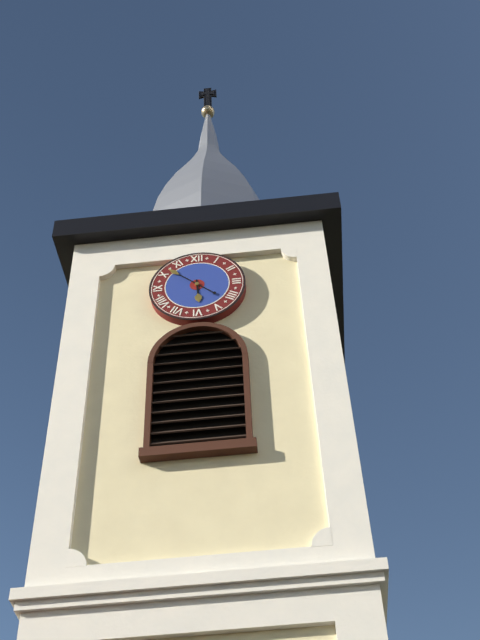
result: h=5 m=52
